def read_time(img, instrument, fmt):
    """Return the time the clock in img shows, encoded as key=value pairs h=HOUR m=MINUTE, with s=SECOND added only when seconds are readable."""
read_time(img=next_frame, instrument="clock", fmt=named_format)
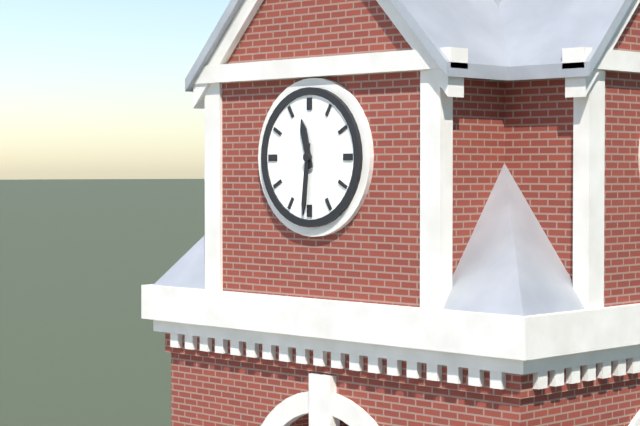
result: h=11 m=31
